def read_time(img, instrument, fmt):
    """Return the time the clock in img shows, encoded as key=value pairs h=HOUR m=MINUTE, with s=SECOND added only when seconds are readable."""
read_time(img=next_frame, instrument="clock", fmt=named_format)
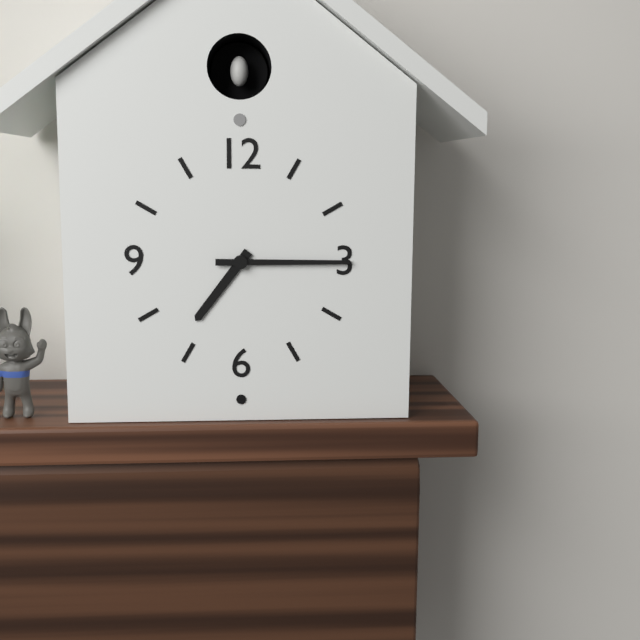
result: h=7 m=15
